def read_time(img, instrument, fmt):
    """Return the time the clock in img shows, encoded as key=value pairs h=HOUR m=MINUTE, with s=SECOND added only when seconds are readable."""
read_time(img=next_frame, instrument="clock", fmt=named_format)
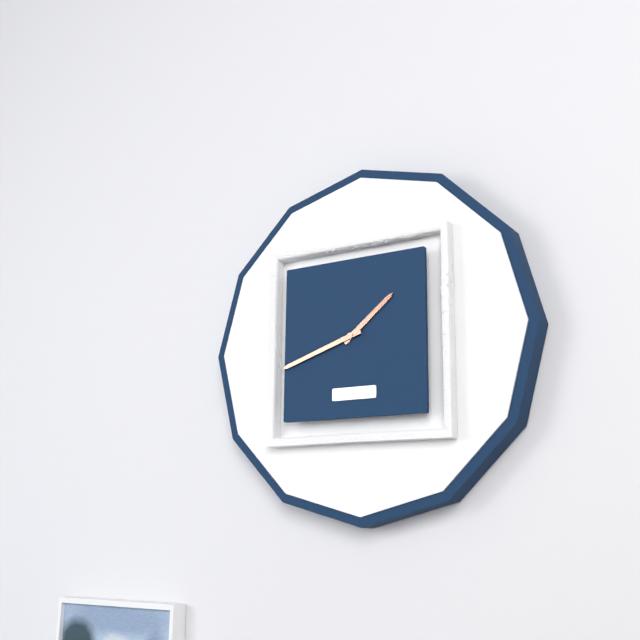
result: h=1 m=42
